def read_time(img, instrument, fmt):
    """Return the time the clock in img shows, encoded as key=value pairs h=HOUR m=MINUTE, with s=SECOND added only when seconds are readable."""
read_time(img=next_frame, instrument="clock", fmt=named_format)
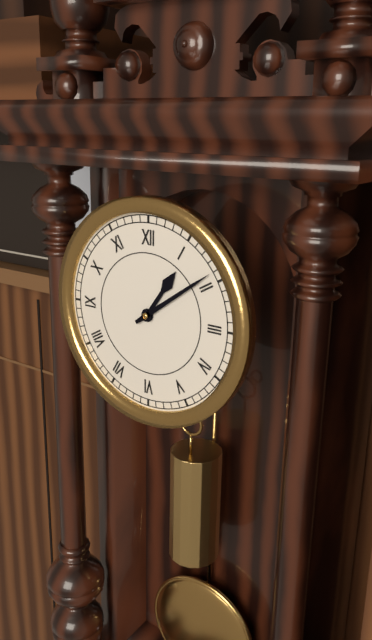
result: h=1 m=9
